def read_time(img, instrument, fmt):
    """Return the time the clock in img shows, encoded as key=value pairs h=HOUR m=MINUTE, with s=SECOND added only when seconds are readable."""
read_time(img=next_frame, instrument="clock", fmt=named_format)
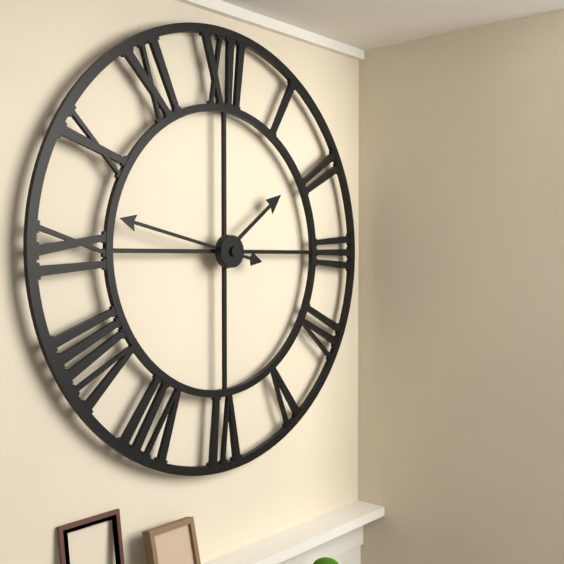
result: h=1 m=47
